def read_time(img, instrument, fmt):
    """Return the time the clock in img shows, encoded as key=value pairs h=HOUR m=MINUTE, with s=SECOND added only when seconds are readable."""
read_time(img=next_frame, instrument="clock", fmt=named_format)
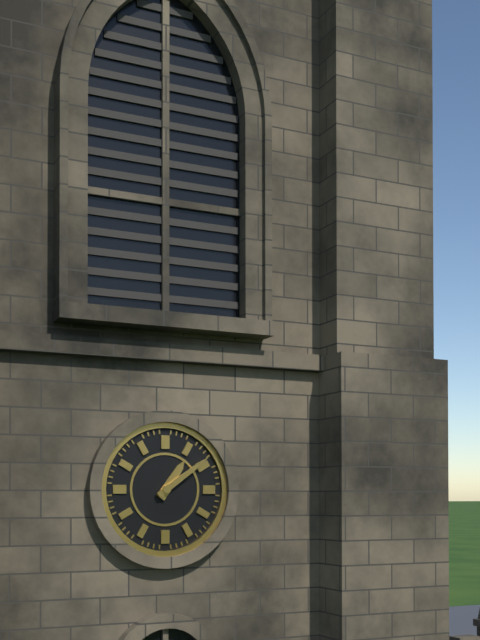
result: h=1 m=9
